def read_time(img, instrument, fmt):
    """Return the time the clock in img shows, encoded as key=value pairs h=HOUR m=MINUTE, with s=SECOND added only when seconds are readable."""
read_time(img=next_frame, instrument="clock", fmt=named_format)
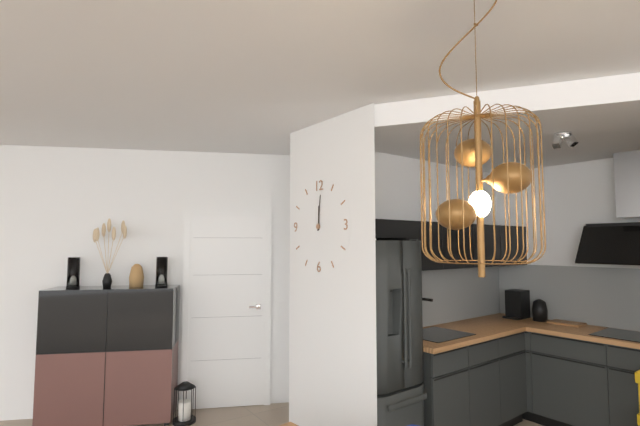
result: h=12 m=1
